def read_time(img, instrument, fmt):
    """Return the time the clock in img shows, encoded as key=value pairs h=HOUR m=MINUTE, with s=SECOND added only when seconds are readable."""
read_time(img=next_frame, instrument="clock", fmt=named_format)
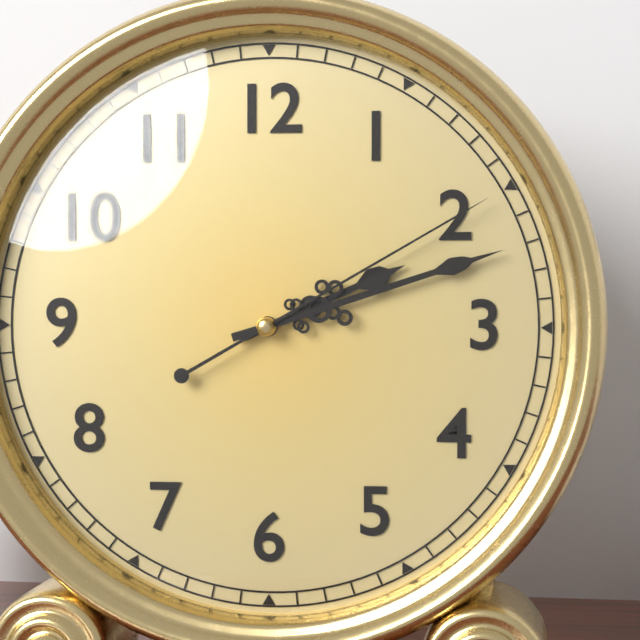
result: h=2 m=12 s=10
